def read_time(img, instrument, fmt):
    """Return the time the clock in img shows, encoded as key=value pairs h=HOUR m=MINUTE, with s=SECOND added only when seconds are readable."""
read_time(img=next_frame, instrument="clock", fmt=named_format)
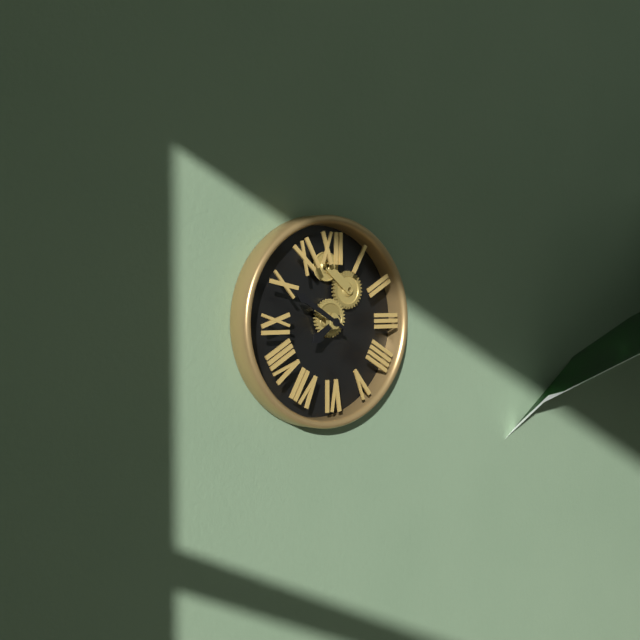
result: h=7 m=50
